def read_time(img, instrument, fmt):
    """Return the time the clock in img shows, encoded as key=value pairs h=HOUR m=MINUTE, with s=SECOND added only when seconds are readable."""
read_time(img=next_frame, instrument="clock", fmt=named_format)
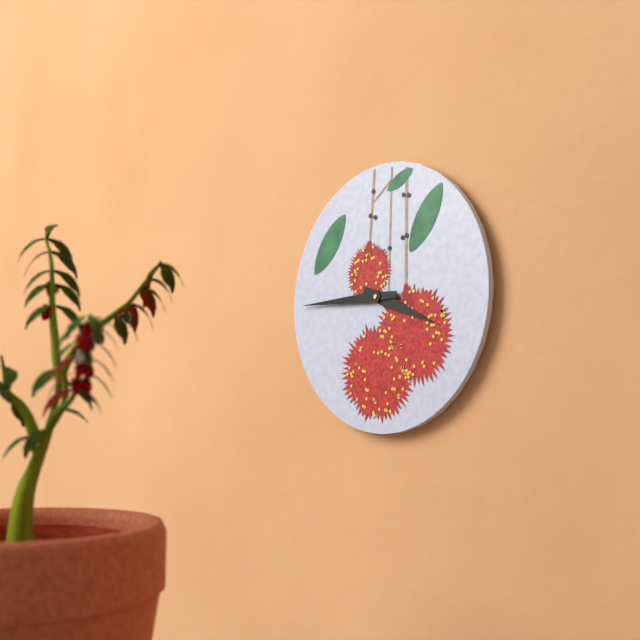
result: h=3 m=45
